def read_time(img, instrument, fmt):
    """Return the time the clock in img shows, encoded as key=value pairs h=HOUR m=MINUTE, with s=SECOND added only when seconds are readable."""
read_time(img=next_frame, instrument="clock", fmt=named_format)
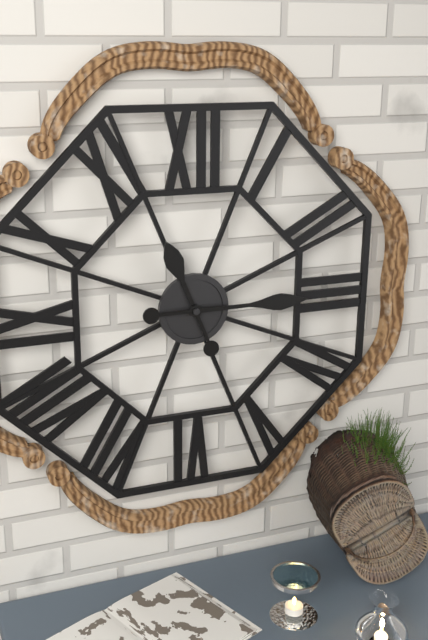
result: h=11 m=15
